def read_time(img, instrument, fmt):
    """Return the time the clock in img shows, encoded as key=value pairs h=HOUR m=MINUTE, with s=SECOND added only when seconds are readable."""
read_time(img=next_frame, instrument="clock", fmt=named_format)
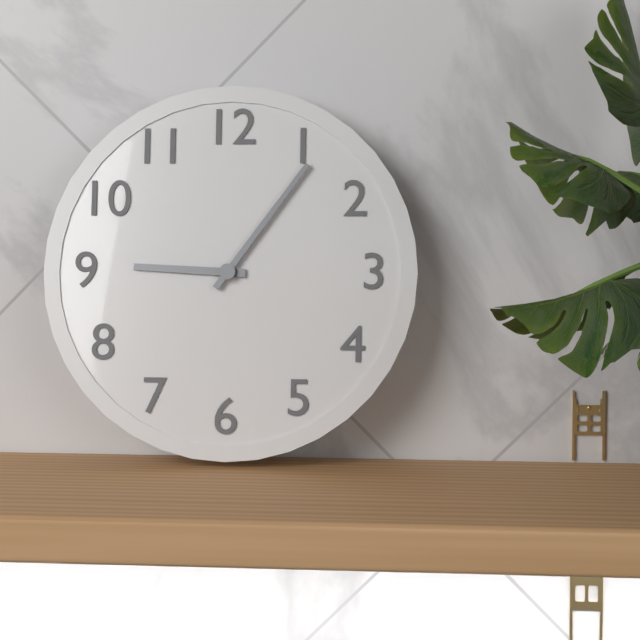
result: h=9 m=6
